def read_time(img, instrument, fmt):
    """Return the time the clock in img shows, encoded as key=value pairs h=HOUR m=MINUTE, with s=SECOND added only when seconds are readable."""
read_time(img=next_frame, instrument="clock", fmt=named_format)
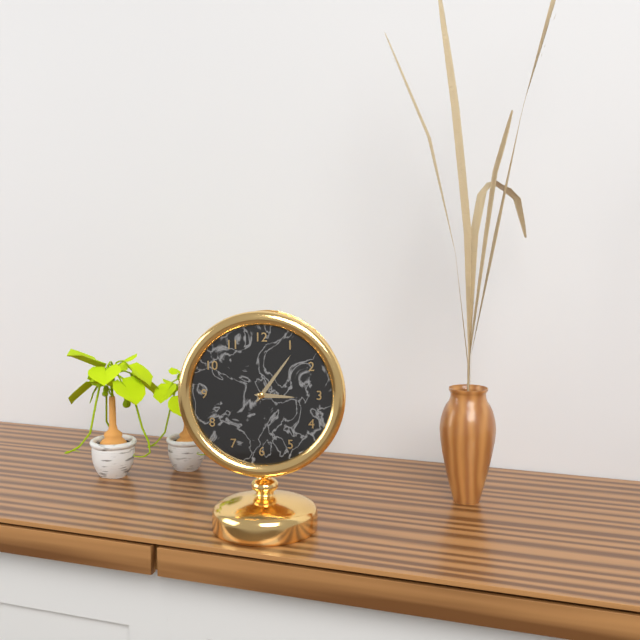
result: h=3 m=6
